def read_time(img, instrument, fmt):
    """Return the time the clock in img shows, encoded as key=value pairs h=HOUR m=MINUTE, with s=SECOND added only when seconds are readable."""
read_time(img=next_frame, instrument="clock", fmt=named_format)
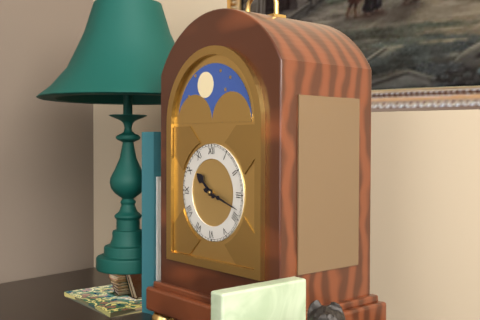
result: h=10 m=18
